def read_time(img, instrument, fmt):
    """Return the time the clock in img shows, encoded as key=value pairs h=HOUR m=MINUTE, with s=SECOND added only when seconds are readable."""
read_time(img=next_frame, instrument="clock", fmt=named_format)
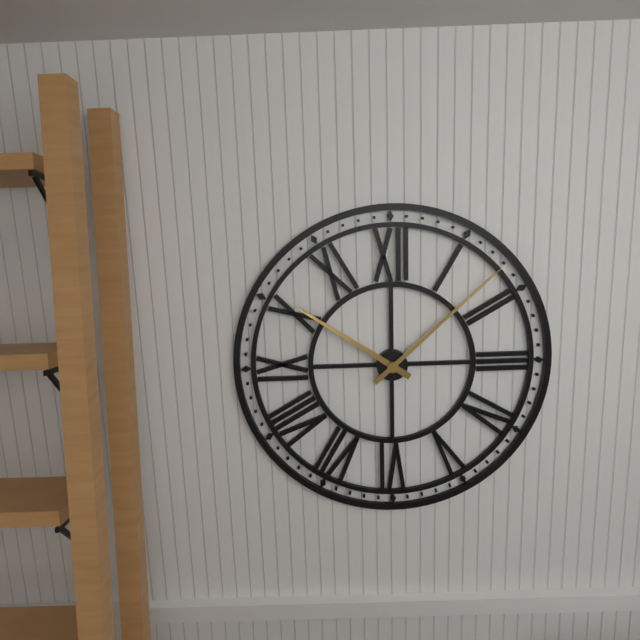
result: h=10 m=8
